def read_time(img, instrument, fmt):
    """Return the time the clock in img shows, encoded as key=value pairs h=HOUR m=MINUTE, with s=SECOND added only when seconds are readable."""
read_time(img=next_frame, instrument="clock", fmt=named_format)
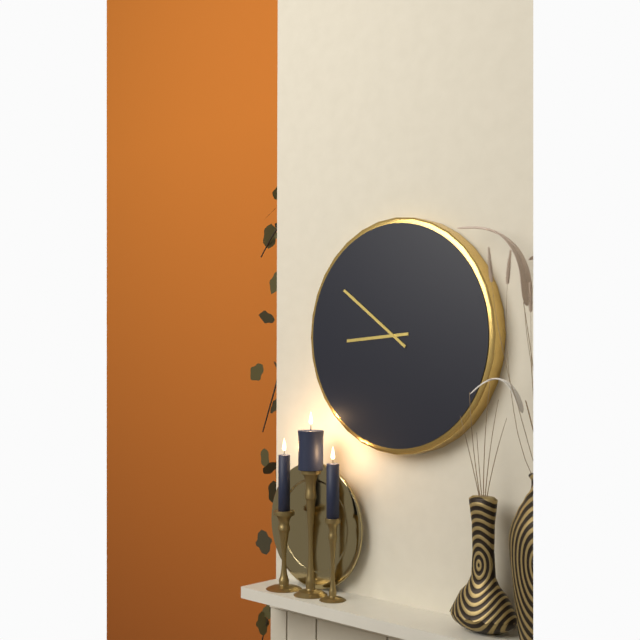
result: h=8 m=51
